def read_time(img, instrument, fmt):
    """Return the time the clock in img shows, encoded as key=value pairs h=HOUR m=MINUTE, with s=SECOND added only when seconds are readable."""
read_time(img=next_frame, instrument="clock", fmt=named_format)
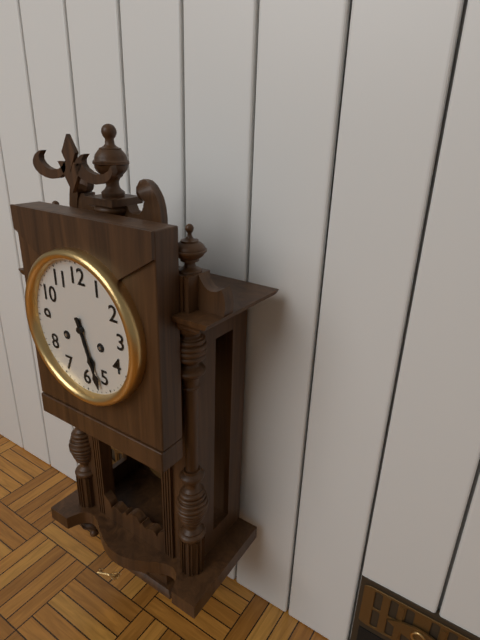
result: h=5 m=27
